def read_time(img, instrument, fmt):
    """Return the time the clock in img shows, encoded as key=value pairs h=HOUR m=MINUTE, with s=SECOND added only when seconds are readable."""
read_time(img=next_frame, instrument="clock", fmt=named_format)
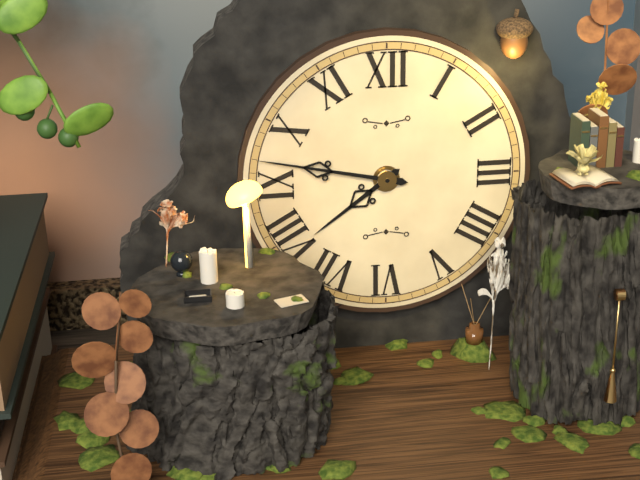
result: h=7 m=47
